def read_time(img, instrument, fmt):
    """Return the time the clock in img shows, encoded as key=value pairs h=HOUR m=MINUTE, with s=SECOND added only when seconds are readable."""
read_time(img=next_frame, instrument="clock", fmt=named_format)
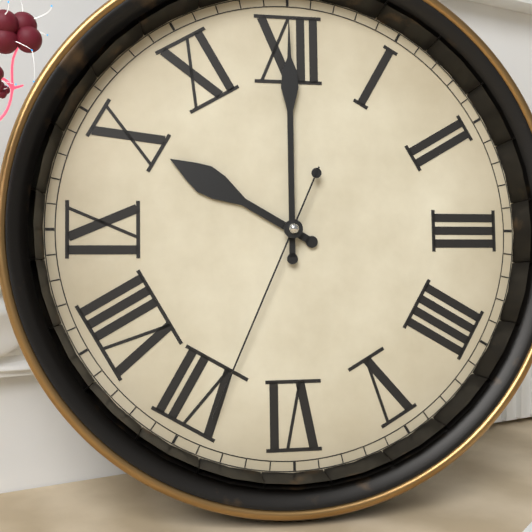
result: h=10 m=0 s=34
